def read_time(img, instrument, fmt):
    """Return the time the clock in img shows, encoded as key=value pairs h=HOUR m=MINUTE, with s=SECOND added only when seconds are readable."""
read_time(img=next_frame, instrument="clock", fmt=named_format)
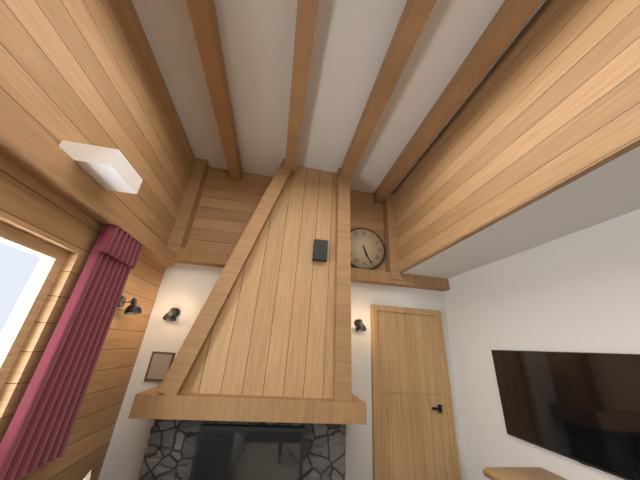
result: h=5 m=26
